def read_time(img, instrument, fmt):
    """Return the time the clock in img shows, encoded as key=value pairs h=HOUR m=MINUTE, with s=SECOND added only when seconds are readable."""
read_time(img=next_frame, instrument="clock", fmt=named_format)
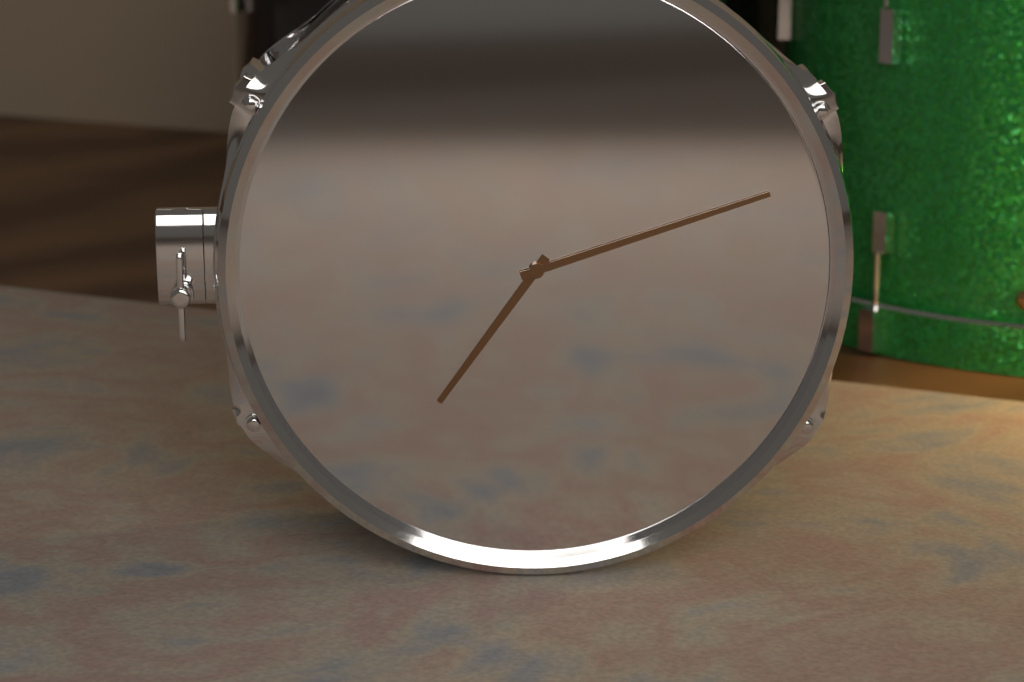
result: h=7 m=12
